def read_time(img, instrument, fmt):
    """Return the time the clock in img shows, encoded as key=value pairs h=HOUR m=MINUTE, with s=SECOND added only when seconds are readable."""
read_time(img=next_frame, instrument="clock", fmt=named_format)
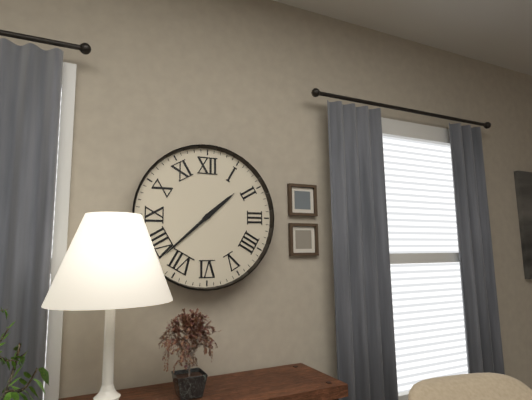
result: h=1 m=38
